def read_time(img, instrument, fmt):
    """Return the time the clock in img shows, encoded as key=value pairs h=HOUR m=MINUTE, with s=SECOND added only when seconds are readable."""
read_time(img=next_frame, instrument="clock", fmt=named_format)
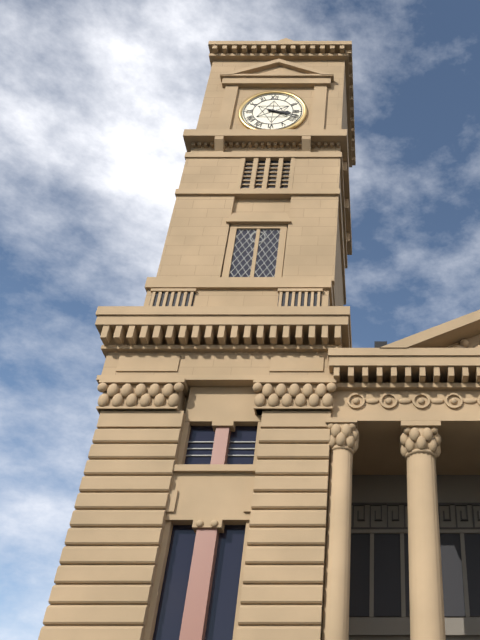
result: h=3 m=18
